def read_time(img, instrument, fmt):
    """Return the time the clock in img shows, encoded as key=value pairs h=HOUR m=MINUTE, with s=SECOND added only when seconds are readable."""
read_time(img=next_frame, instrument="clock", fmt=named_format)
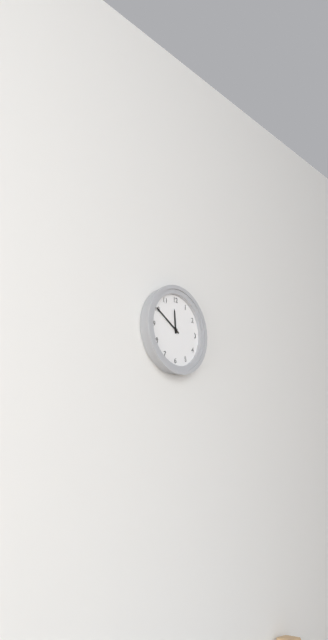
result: h=11 m=50
